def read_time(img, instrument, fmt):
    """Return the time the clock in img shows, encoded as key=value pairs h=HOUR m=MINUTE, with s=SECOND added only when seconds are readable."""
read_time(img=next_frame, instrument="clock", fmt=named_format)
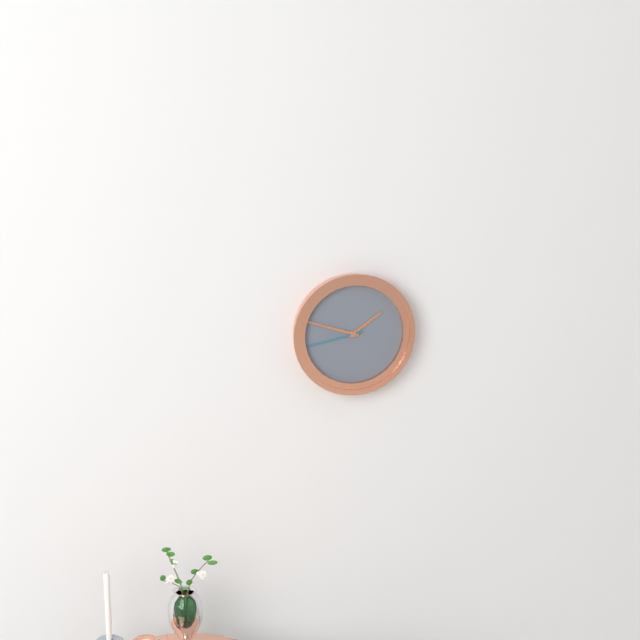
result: h=1 m=48 s=43
